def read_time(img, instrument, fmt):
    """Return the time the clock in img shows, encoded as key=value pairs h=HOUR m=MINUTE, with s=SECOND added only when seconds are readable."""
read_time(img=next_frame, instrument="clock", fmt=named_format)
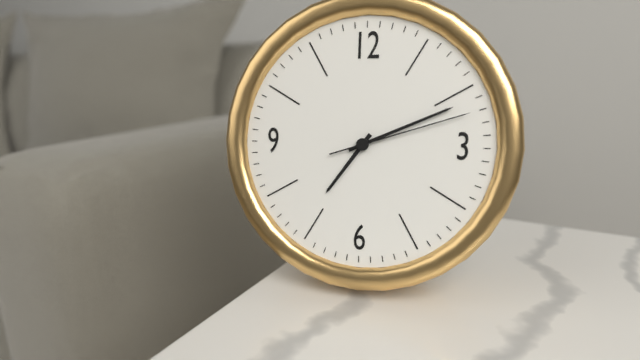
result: h=7 m=11 s=12
